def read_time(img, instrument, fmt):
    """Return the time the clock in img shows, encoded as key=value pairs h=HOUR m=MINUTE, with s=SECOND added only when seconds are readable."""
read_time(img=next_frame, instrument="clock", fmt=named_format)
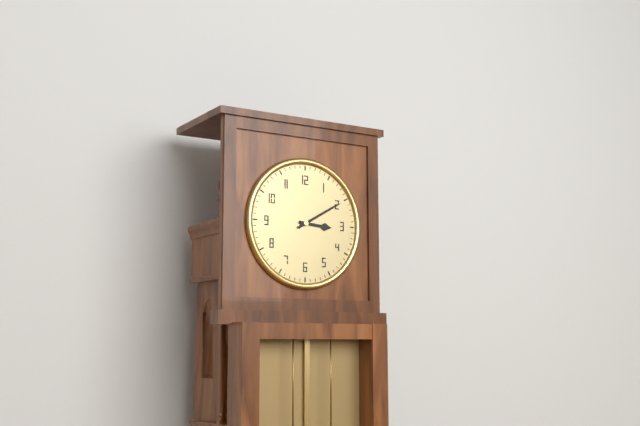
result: h=3 m=10
